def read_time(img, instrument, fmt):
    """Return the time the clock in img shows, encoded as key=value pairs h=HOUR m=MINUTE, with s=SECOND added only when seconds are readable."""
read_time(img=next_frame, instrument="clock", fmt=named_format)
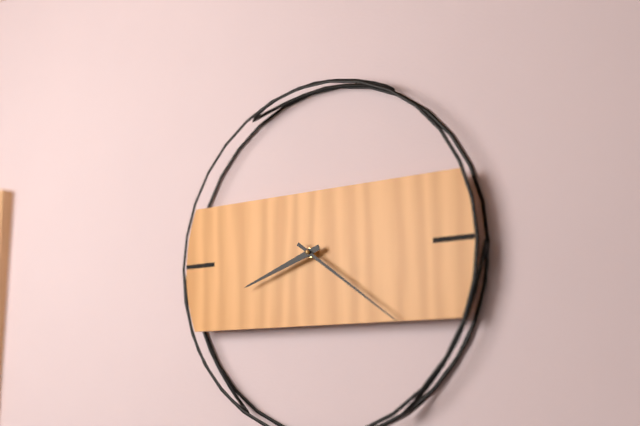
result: h=8 m=21
